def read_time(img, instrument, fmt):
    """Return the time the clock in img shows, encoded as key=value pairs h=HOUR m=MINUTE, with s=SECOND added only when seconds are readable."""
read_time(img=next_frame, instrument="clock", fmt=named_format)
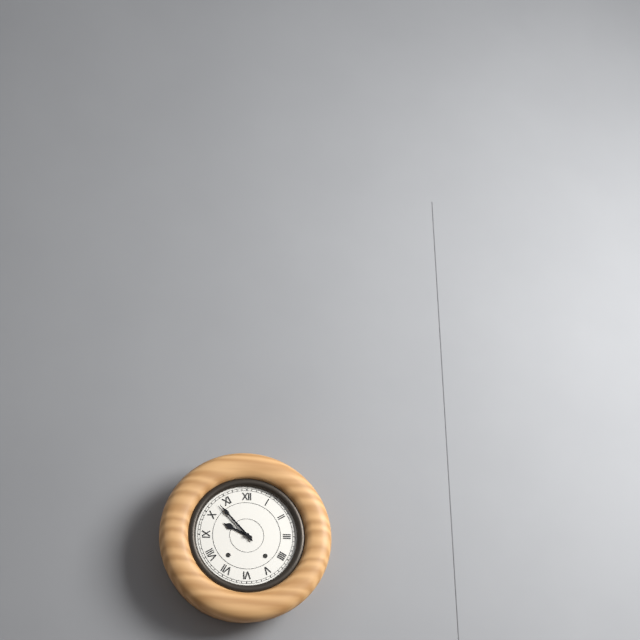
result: h=9 m=53
